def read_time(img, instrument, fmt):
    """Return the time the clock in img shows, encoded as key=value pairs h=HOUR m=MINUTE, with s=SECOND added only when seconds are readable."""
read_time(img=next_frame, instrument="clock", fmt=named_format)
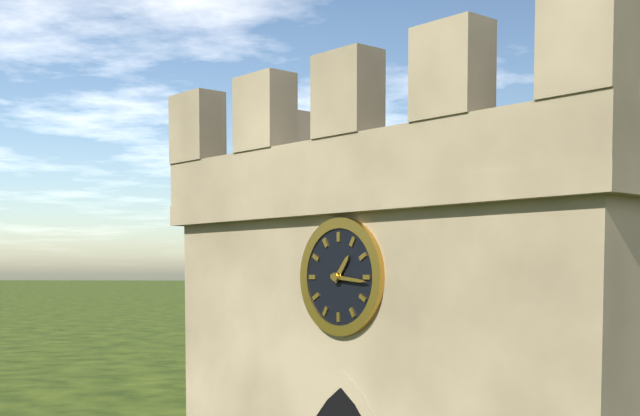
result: h=1 m=16
